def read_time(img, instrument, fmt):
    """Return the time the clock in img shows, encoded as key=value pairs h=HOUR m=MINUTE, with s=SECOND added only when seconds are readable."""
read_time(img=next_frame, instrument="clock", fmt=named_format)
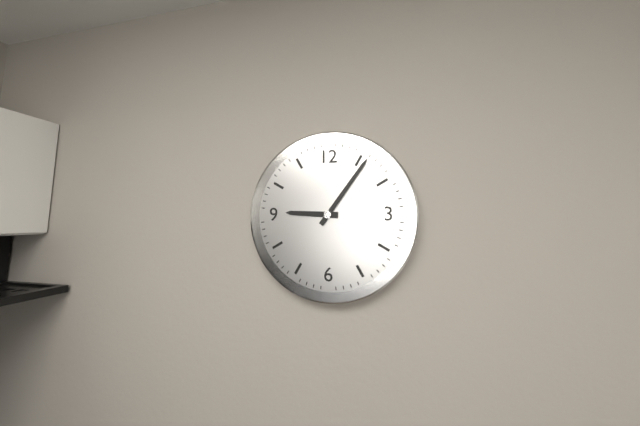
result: h=9 m=6
